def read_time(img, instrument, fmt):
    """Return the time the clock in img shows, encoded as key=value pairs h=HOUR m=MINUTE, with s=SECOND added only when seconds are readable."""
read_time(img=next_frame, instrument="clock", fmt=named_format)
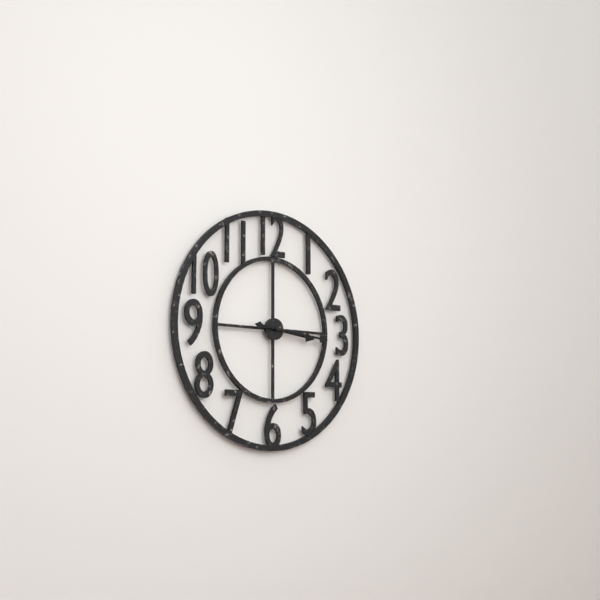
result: h=3 m=16
